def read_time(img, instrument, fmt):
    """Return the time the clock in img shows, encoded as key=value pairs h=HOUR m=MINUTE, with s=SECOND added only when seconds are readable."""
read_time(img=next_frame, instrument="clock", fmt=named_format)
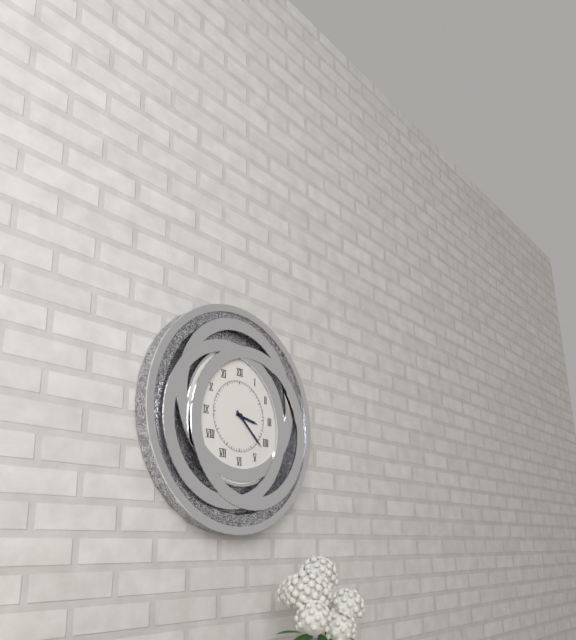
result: h=3 m=22
